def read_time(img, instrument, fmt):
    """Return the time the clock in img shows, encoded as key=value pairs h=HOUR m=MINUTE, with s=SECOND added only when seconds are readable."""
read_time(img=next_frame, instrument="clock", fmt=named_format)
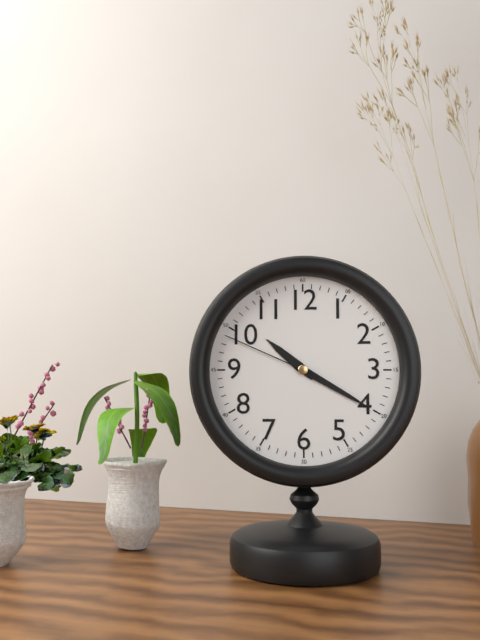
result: h=10 m=20 s=49
